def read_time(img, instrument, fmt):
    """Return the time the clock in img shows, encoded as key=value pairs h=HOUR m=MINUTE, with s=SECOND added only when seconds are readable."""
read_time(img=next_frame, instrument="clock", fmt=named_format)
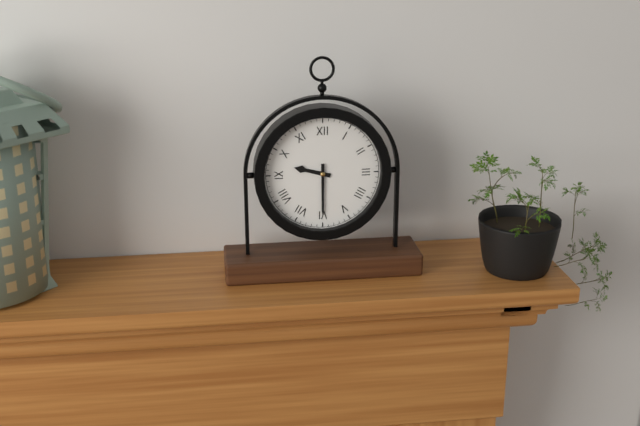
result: h=9 m=30
